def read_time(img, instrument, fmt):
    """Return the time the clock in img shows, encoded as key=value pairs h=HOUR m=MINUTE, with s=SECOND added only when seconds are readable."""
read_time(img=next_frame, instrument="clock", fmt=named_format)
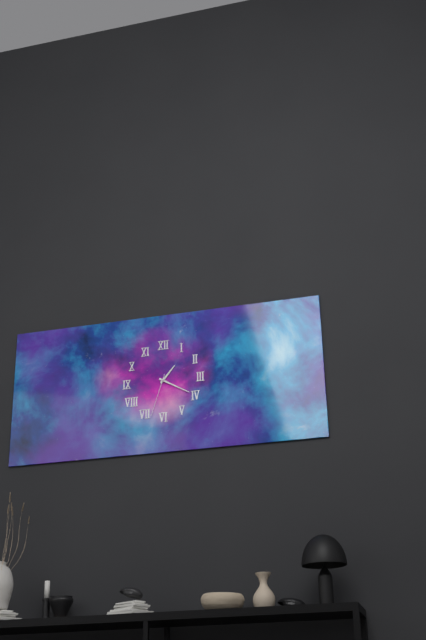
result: h=1 m=20
